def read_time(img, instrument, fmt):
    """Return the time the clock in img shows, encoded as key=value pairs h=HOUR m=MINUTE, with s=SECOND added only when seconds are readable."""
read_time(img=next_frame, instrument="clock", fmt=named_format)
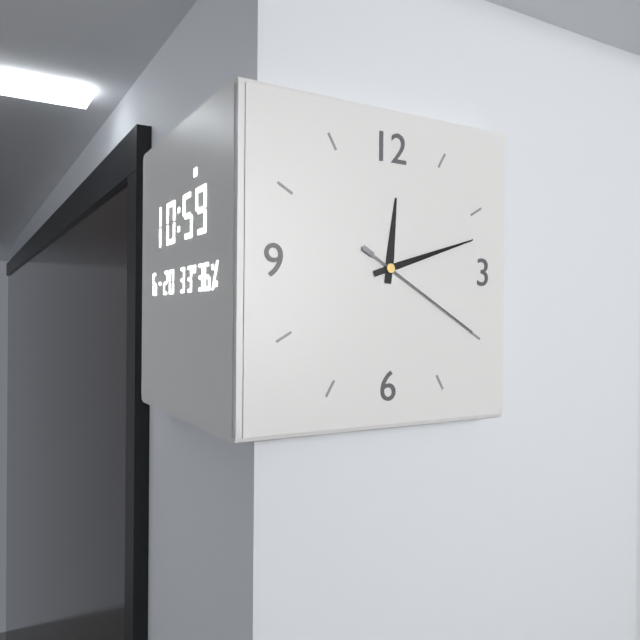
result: h=12 m=12 s=20
